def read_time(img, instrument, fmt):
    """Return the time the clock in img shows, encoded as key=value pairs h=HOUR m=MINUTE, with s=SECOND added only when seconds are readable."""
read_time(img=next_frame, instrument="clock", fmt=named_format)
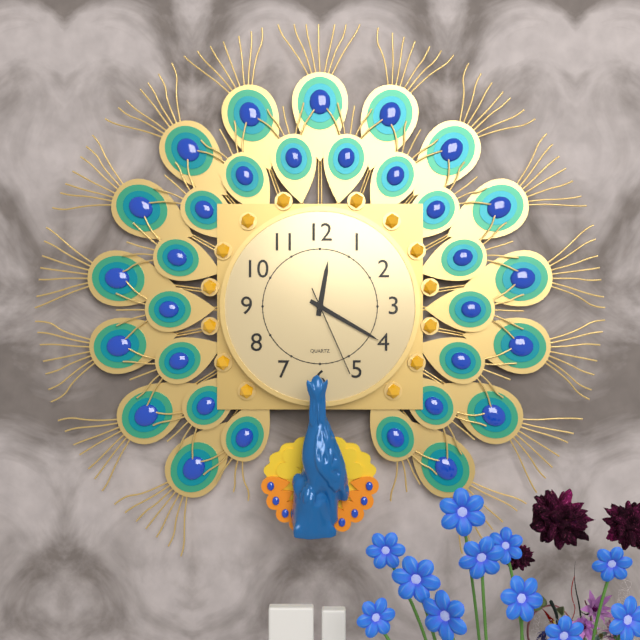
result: h=12 m=20 s=26
